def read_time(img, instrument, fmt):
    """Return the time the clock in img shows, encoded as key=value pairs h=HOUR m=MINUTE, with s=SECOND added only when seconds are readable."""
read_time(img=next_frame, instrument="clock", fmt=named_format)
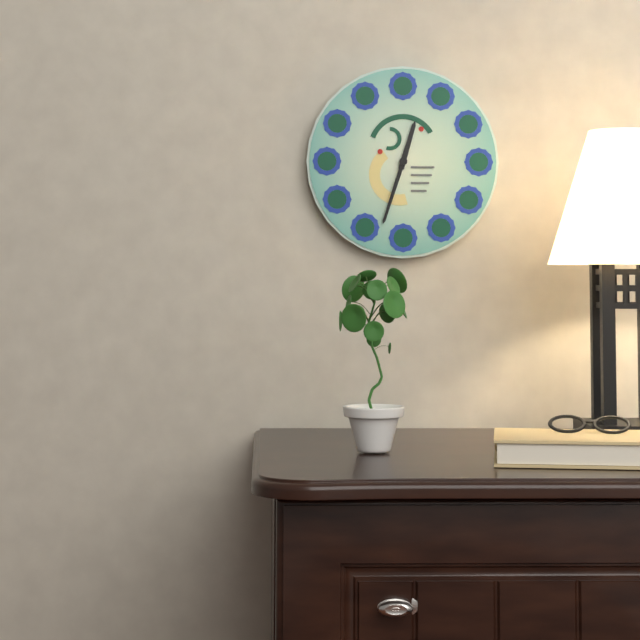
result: h=12 m=33
